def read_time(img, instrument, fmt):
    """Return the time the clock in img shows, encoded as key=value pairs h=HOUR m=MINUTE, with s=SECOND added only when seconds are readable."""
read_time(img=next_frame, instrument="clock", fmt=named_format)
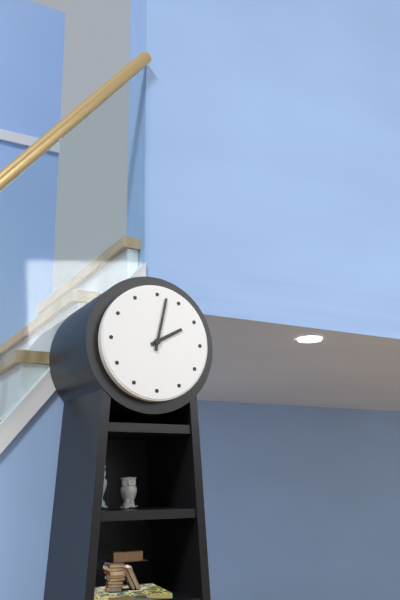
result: h=2 m=2
